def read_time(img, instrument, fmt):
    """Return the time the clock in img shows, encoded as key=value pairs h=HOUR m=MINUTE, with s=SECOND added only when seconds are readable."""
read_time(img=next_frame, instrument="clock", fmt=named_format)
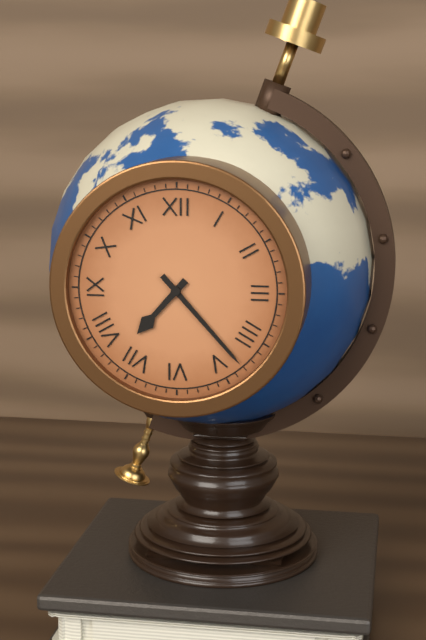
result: h=7 m=23
